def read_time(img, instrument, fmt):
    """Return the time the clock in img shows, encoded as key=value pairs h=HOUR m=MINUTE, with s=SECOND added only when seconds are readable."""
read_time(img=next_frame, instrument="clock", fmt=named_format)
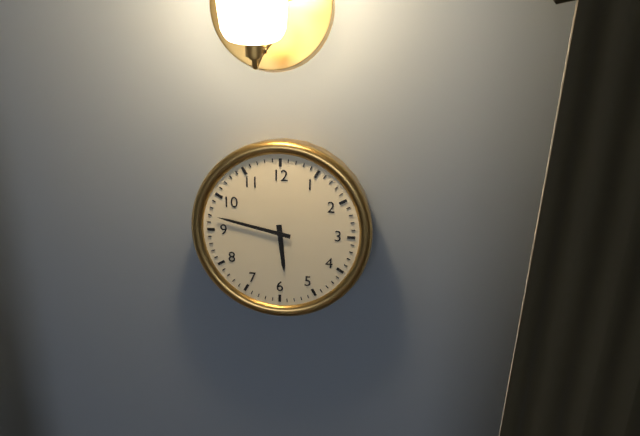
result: h=5 m=47
